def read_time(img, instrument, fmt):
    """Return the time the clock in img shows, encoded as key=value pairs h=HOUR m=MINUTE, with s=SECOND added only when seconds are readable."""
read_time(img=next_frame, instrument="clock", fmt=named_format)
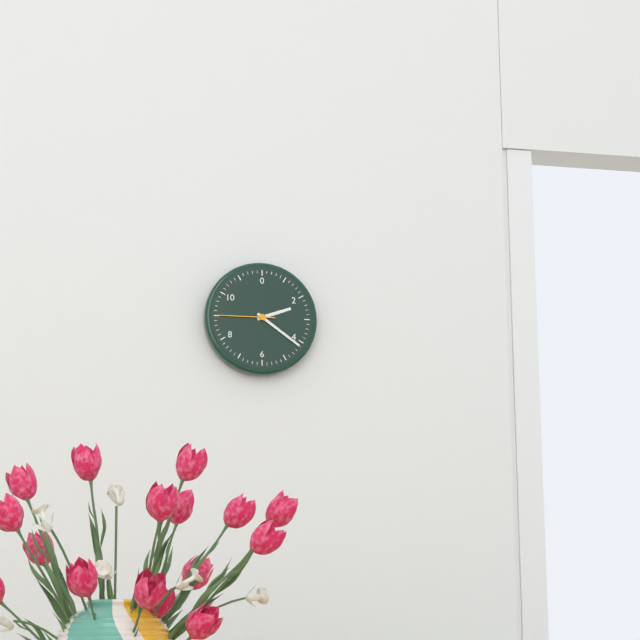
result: h=2 m=21 s=45
